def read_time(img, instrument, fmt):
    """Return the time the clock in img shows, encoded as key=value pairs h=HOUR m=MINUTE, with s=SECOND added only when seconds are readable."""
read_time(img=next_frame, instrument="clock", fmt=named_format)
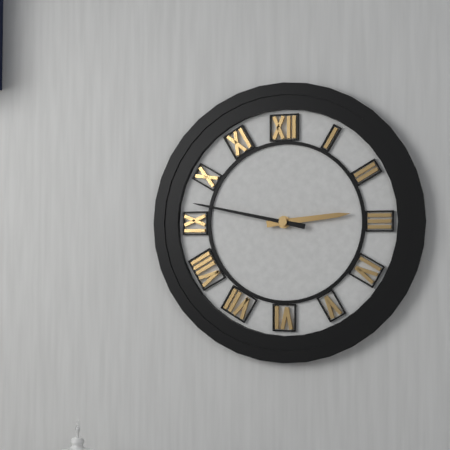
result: h=2 m=47
